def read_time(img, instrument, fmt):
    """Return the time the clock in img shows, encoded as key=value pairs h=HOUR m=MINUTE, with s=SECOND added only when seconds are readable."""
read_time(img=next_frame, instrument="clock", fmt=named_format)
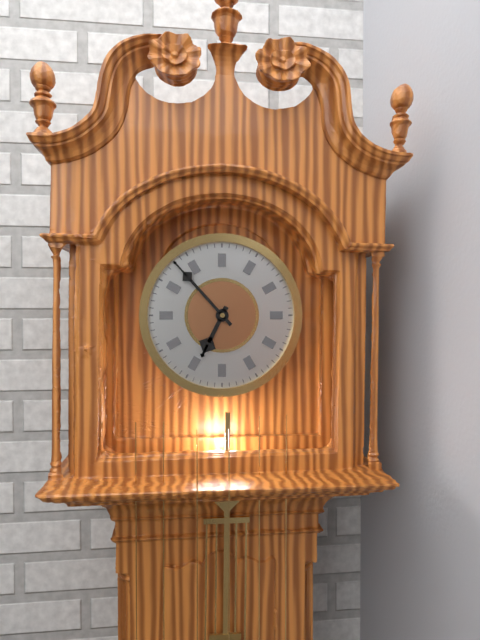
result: h=6 m=53
